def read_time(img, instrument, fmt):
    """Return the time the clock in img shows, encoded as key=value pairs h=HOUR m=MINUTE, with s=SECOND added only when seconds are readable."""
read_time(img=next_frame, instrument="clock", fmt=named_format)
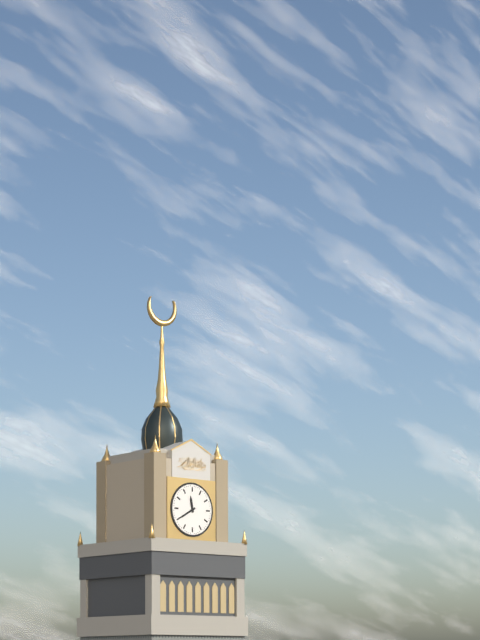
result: h=11 m=40
